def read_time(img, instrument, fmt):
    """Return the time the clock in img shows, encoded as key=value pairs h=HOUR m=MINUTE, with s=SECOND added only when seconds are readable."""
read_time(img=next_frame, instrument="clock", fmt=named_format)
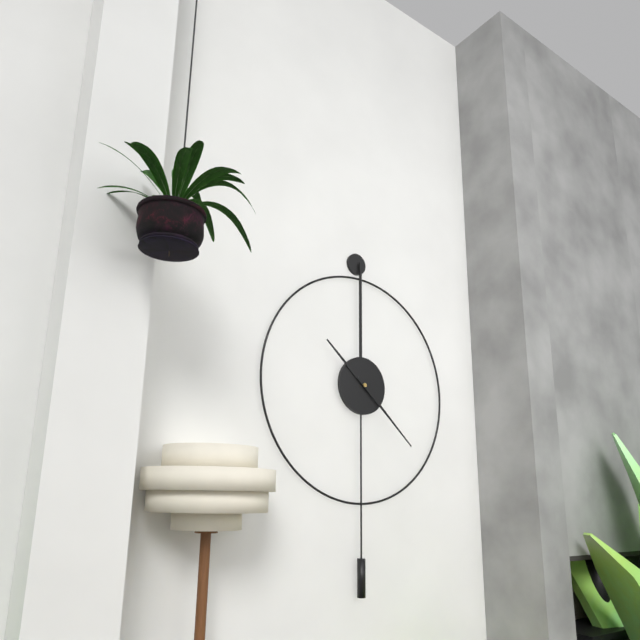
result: h=10 m=22
